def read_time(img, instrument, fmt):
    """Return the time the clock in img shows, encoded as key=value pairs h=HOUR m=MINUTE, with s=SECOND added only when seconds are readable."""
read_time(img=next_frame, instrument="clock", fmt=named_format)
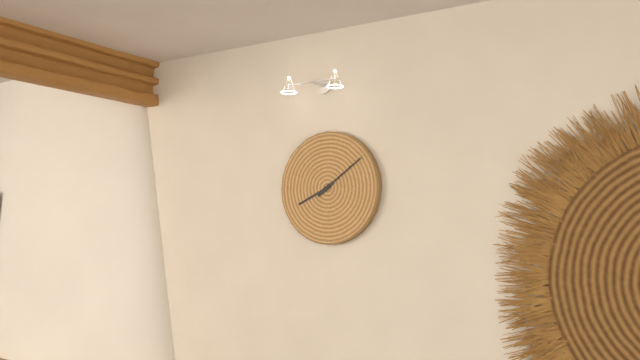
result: h=8 m=9
